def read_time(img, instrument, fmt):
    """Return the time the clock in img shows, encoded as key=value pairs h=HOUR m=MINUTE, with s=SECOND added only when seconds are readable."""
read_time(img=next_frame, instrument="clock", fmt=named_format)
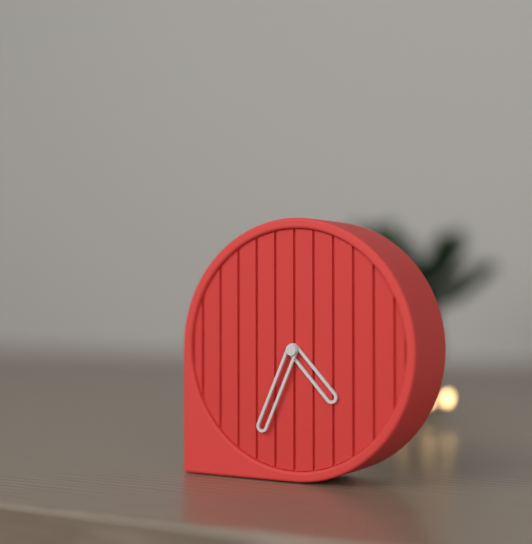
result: h=4 m=34
